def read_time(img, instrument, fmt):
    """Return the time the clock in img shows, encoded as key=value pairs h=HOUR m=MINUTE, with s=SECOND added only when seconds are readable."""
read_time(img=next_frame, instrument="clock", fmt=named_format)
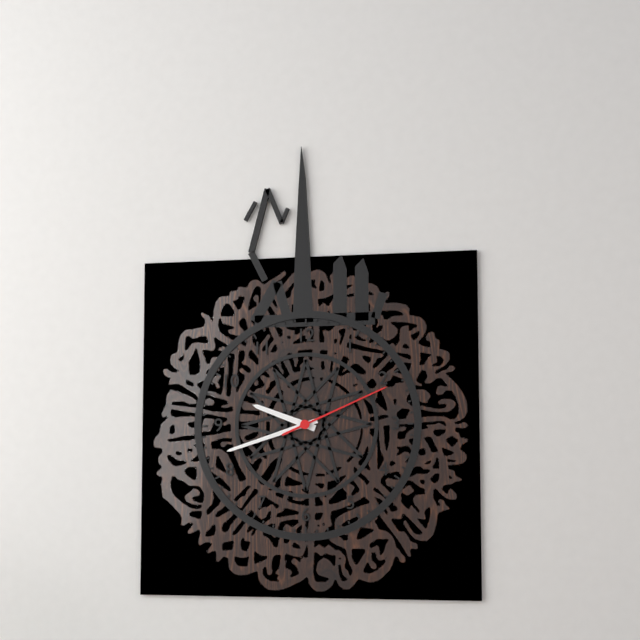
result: h=9 m=42 s=11
